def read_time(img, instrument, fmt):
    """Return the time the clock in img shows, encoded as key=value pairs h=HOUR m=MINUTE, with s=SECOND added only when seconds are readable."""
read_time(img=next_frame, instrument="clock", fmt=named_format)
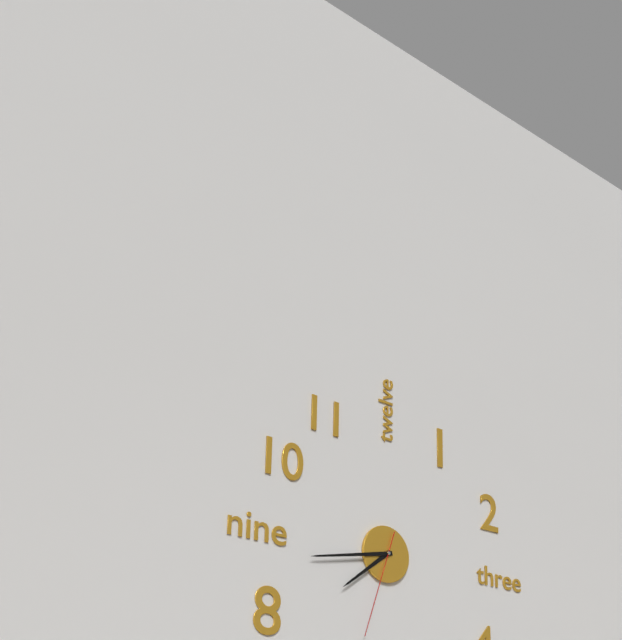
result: h=7 m=43 s=33
